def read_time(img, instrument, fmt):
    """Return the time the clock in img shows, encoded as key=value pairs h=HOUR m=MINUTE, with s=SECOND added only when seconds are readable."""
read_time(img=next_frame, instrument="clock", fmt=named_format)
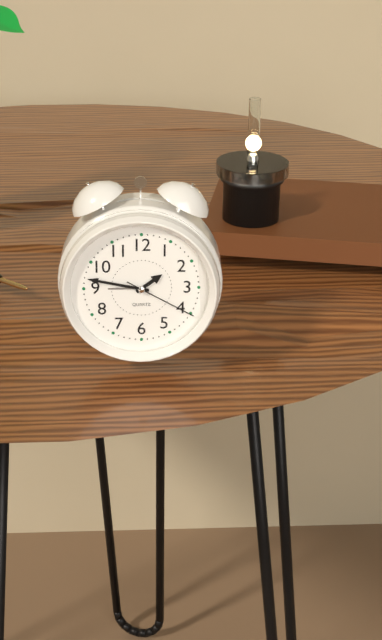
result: h=1 m=47 s=20
